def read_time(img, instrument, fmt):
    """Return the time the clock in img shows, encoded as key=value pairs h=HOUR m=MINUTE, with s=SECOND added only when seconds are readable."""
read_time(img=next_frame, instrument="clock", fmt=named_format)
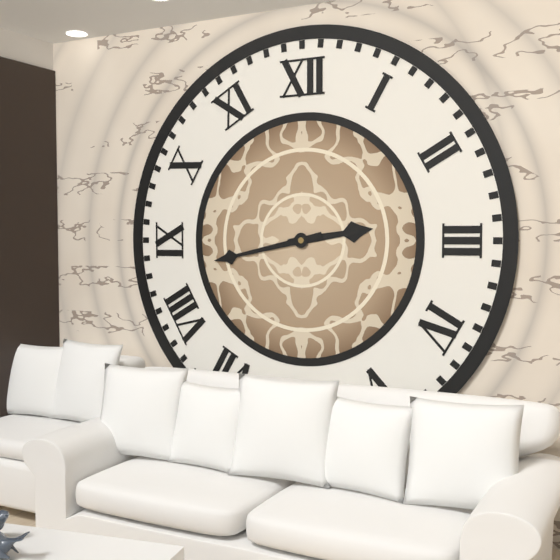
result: h=2 m=43
